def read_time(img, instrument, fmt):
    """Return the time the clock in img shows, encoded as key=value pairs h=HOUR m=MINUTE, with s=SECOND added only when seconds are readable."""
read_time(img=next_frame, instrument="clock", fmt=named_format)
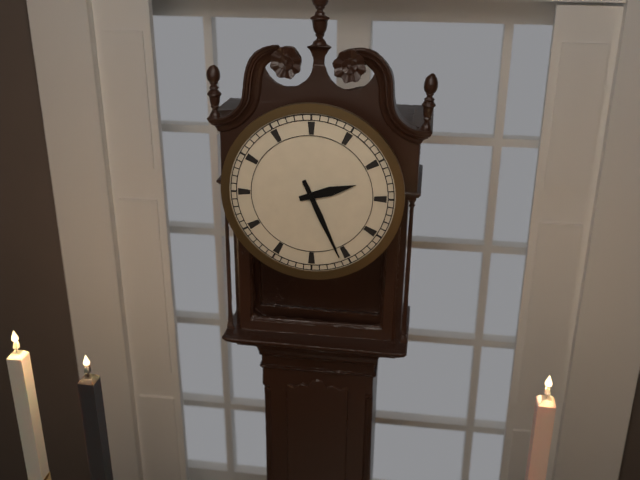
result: h=2 m=26
